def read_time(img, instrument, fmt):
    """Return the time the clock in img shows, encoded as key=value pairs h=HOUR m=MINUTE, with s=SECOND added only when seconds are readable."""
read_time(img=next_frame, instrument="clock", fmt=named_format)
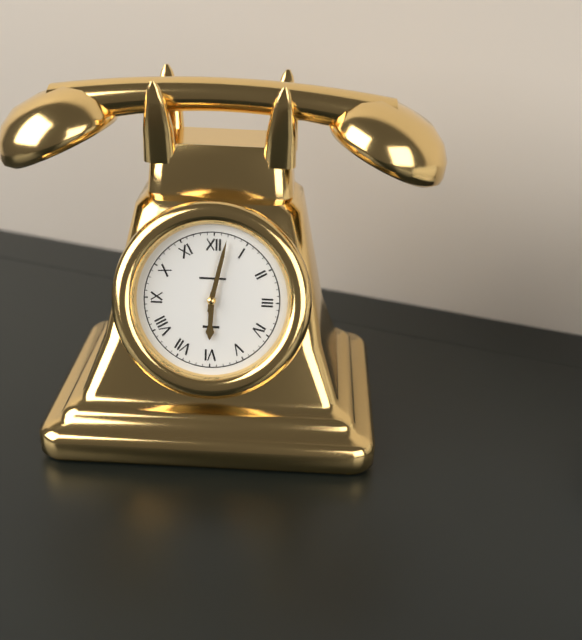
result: h=6 m=2
